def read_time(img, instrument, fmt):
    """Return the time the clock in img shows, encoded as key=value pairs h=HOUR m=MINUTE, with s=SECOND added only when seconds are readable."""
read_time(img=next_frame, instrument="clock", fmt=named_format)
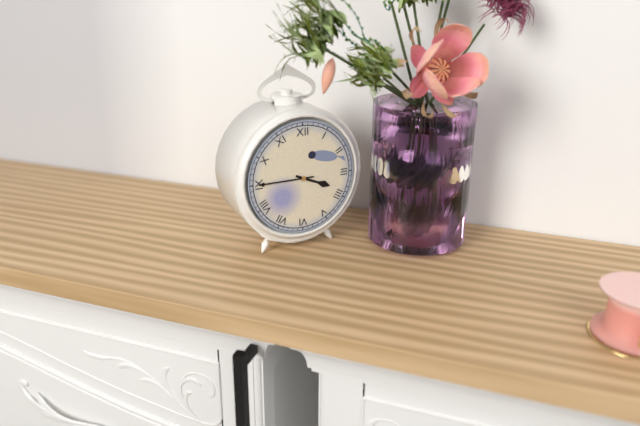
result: h=3 m=45
